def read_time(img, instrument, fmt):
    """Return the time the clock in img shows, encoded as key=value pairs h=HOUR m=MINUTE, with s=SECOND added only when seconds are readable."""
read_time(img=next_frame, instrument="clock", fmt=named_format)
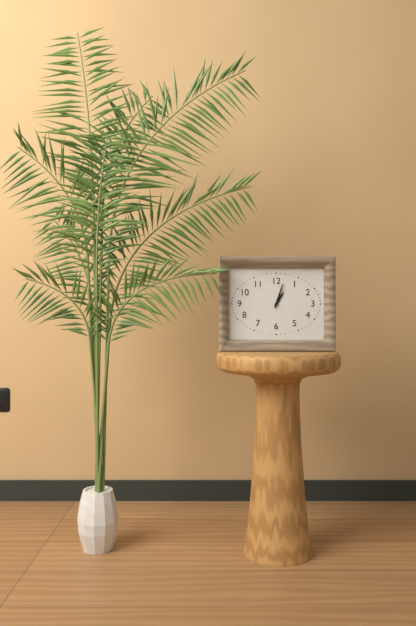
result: h=1 m=3
